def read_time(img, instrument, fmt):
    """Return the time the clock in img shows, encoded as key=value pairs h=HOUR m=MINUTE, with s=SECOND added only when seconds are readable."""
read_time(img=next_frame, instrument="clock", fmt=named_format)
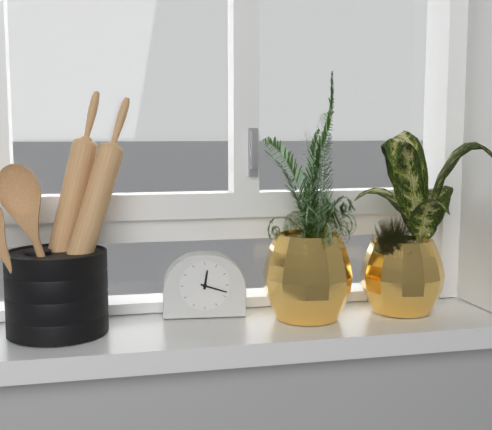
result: h=12 m=18
